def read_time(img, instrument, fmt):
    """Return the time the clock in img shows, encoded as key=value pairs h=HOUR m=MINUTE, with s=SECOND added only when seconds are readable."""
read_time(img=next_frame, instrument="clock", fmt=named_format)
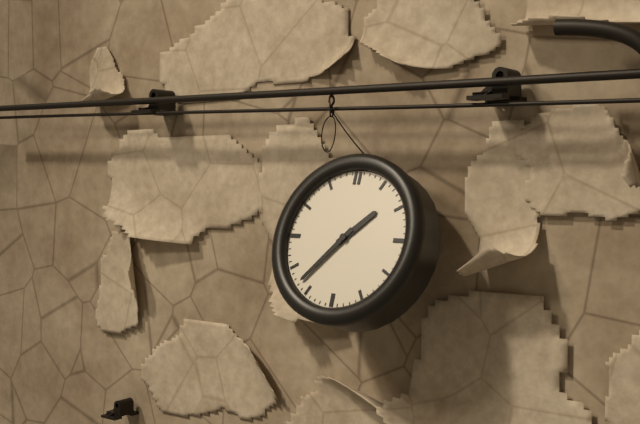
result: h=1 m=37
